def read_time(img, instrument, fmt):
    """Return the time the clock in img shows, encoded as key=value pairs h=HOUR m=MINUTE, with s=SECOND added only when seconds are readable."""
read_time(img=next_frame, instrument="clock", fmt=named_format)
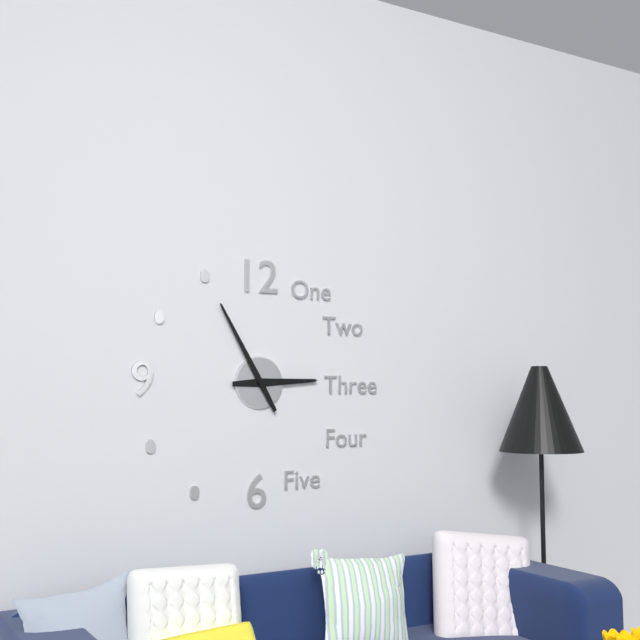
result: h=2 m=55
